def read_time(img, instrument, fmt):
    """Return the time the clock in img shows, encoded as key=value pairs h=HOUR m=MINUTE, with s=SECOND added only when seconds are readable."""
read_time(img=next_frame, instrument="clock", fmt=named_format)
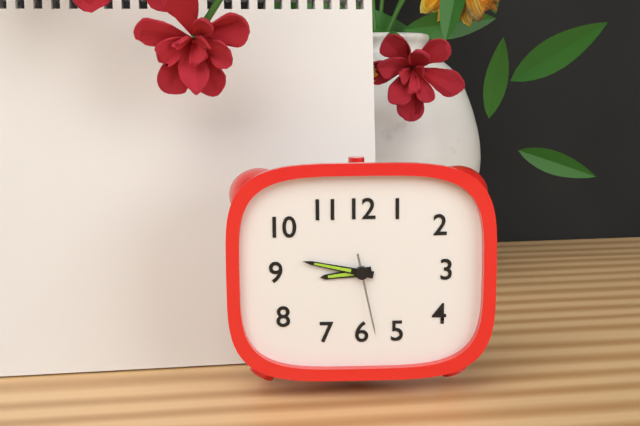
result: h=8 m=47 s=28
